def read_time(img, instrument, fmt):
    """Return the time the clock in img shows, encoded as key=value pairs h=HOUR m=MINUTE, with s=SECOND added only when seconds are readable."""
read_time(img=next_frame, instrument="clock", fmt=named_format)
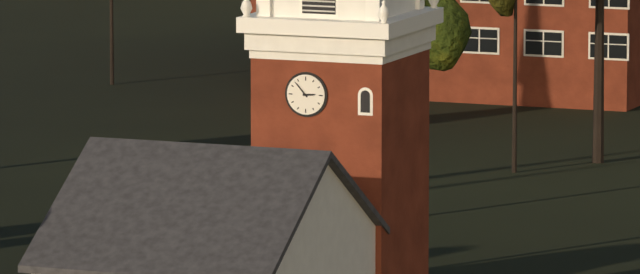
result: h=2 m=53
